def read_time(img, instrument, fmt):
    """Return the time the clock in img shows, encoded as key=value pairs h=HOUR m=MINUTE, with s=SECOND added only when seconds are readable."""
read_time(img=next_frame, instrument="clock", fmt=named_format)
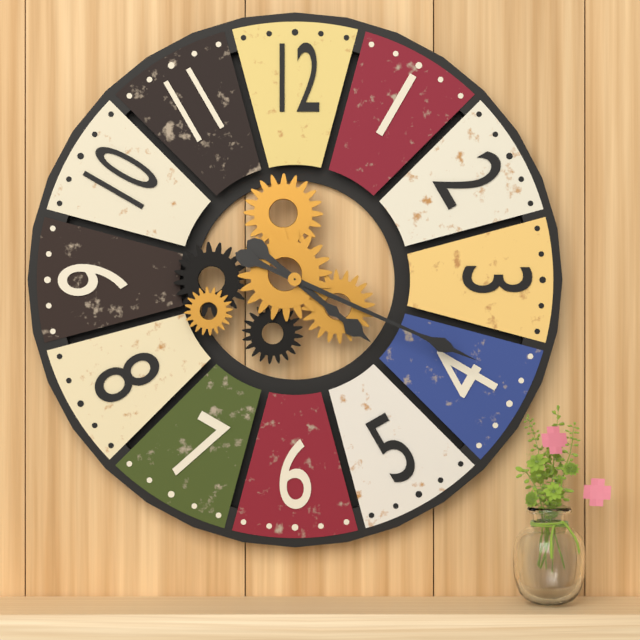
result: h=4 m=19
